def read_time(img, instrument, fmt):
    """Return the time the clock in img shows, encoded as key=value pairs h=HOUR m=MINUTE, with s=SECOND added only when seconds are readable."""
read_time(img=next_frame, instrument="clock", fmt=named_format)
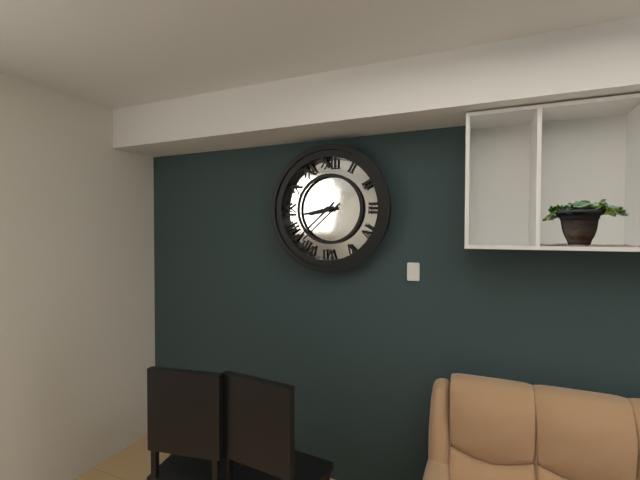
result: h=8 m=38
